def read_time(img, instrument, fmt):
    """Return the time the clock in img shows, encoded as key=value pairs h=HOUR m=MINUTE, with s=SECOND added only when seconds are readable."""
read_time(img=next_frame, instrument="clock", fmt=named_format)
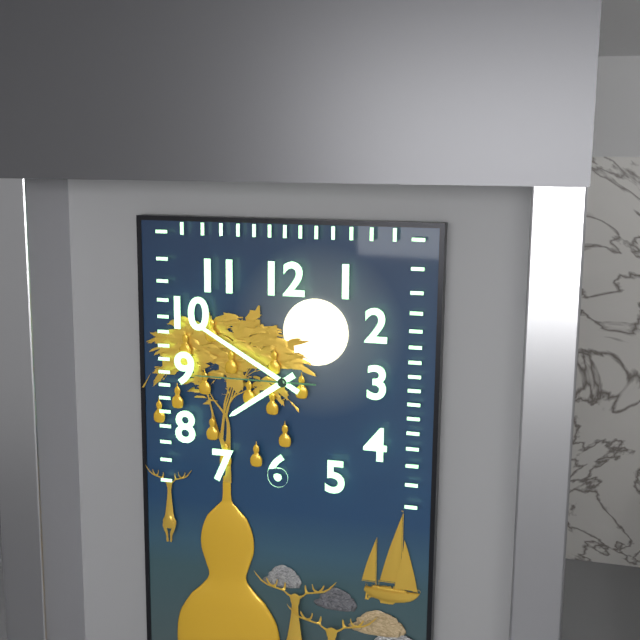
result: h=7 m=50 s=45
